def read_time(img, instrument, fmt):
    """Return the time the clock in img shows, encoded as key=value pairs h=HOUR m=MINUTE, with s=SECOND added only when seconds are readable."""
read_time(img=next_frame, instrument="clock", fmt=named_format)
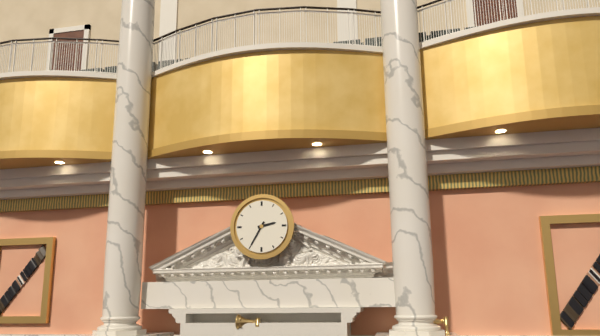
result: h=2 m=35
